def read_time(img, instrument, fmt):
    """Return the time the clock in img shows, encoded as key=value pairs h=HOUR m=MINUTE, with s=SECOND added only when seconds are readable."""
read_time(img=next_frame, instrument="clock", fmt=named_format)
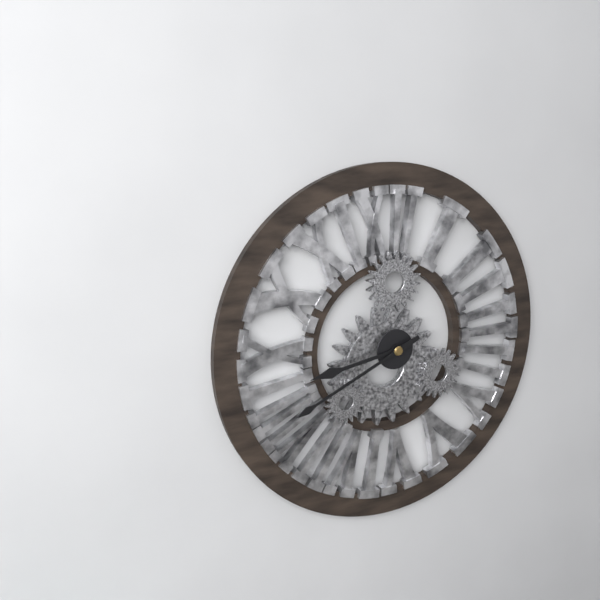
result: h=8 m=41
